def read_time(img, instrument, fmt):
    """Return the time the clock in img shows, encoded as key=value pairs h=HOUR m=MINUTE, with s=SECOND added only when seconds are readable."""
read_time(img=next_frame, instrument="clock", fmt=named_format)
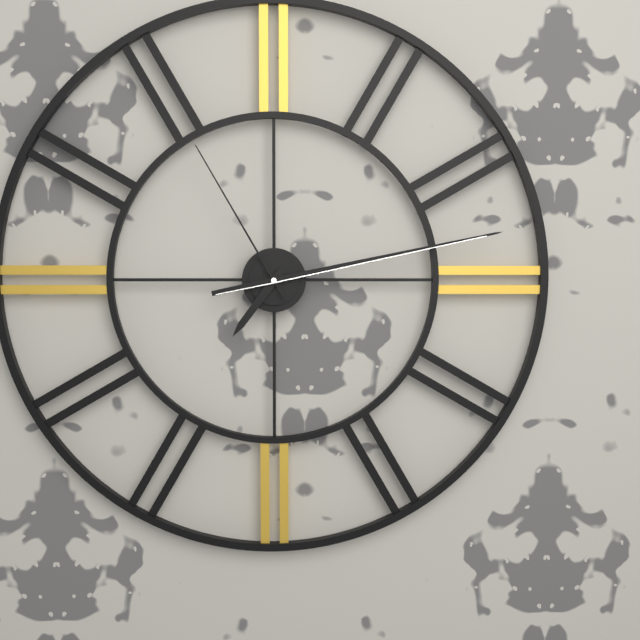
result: h=7 m=13 s=55
